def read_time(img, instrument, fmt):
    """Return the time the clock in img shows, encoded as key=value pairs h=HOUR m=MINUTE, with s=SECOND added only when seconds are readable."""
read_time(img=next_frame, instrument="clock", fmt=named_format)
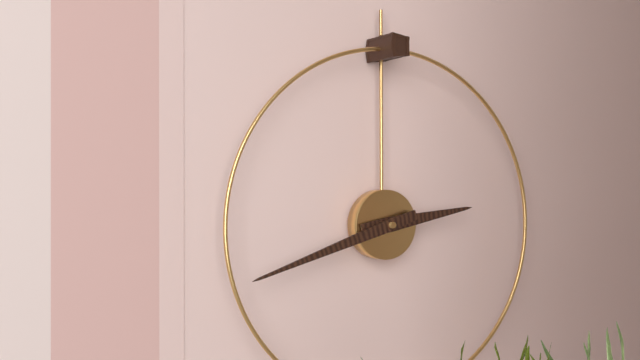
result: h=2 m=42
